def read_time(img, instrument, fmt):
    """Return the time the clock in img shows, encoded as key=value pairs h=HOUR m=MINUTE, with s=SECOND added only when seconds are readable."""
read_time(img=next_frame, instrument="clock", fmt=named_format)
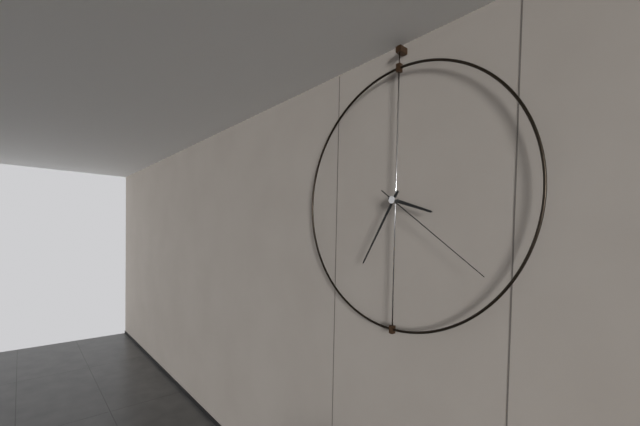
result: h=3 m=35 s=21
